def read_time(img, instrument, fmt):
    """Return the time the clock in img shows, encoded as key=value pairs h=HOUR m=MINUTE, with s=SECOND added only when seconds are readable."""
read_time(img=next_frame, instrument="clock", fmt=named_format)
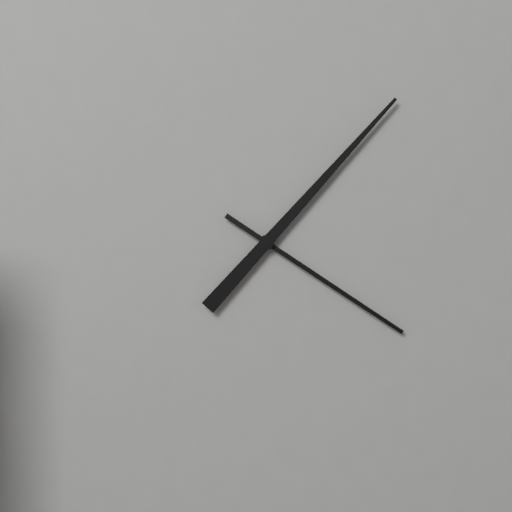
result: h=4 m=7
